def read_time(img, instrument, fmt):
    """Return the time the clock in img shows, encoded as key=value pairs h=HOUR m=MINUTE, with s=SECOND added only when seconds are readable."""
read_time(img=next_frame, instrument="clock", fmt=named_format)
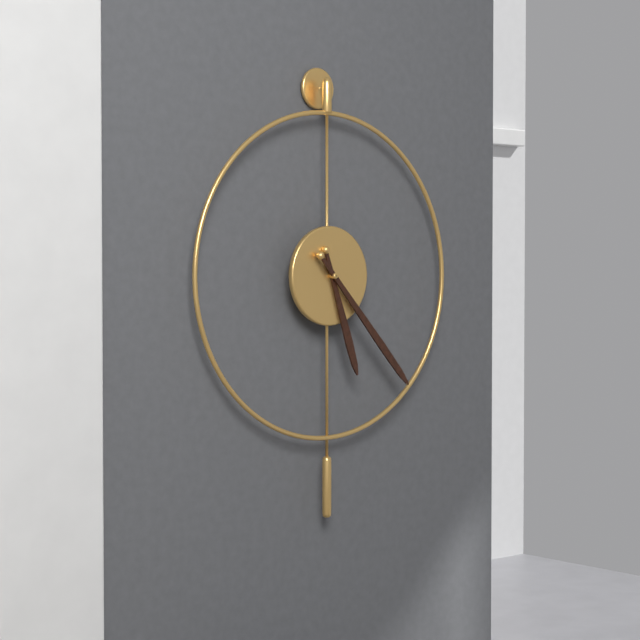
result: h=5 m=23
